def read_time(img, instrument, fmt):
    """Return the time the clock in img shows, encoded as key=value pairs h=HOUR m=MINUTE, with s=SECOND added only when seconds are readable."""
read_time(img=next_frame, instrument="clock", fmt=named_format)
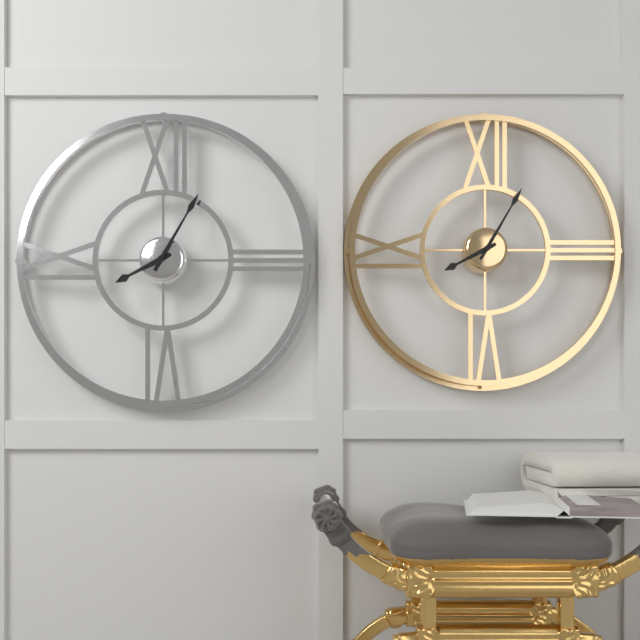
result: h=8 m=5
